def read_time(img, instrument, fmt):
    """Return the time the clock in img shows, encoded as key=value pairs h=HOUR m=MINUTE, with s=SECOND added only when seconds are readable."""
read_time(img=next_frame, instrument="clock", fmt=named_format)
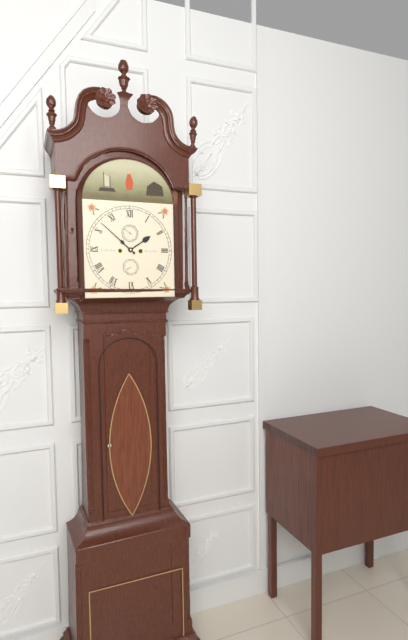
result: h=1 m=52
